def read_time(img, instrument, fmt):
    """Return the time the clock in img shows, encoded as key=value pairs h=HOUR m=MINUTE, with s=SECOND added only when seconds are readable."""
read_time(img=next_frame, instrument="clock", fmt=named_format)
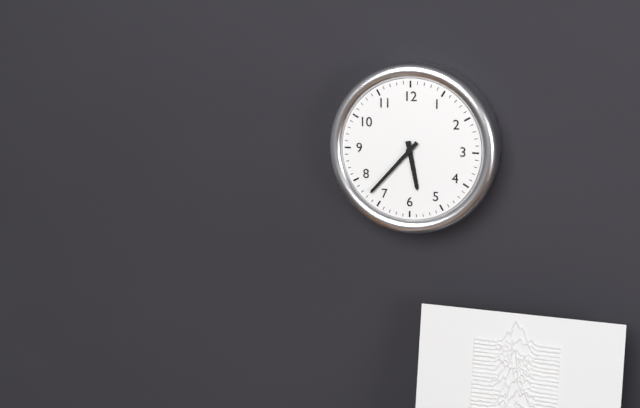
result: h=5 m=37
